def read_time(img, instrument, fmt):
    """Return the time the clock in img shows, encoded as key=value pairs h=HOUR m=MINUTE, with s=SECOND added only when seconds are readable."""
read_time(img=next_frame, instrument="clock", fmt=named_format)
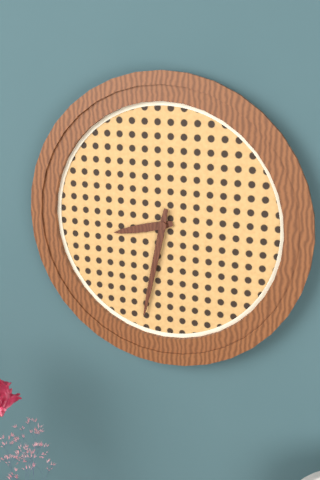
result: h=8 m=32
